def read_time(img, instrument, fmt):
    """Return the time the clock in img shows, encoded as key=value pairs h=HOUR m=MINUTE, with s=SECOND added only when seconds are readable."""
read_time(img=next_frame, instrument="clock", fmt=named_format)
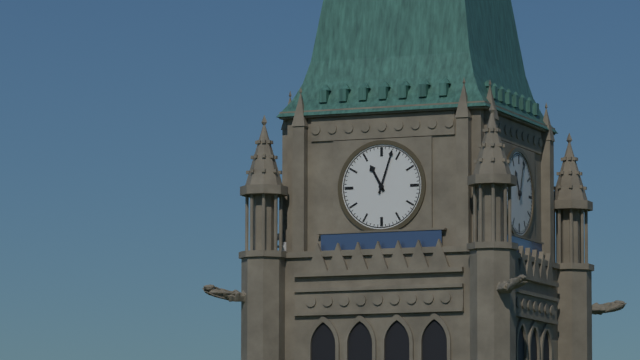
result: h=11 m=3
